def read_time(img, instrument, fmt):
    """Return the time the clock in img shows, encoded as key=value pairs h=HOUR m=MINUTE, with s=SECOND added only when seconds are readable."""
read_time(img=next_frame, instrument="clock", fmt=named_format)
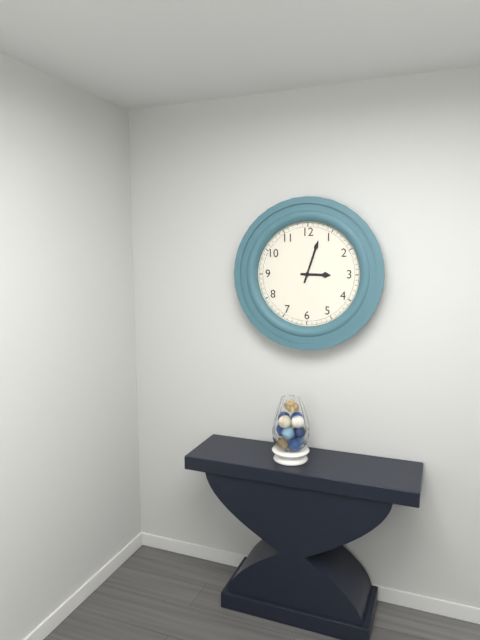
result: h=3 m=3
